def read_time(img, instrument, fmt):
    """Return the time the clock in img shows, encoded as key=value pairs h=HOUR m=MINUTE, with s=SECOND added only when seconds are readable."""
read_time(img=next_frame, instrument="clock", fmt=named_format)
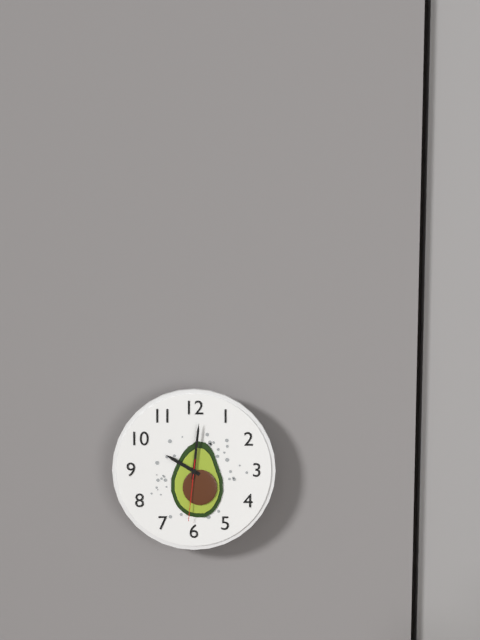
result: h=10 m=1 s=31
